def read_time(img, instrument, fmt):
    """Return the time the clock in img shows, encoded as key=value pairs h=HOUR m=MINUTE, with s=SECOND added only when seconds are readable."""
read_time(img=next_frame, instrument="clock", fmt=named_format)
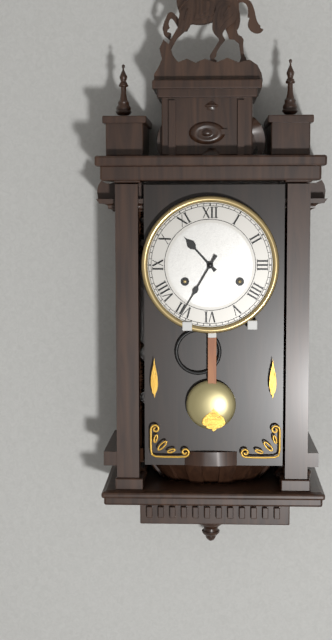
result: h=10 m=35
